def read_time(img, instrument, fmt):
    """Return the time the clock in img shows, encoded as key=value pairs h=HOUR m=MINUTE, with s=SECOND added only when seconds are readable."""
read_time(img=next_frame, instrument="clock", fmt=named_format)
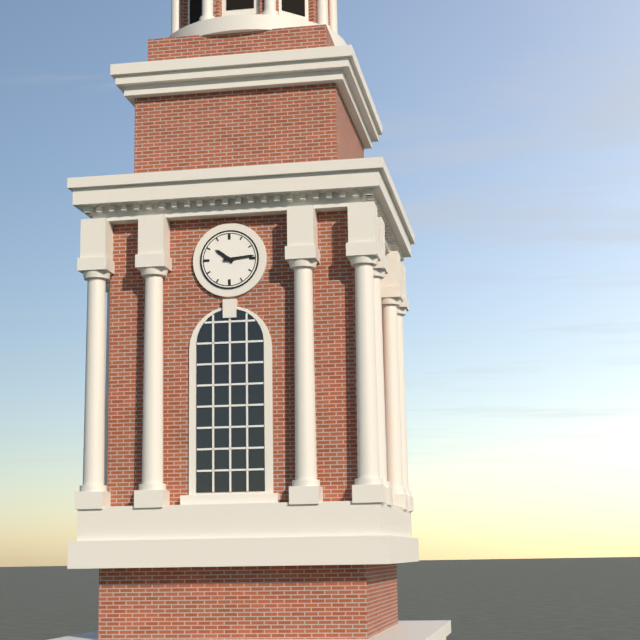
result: h=10 m=14
